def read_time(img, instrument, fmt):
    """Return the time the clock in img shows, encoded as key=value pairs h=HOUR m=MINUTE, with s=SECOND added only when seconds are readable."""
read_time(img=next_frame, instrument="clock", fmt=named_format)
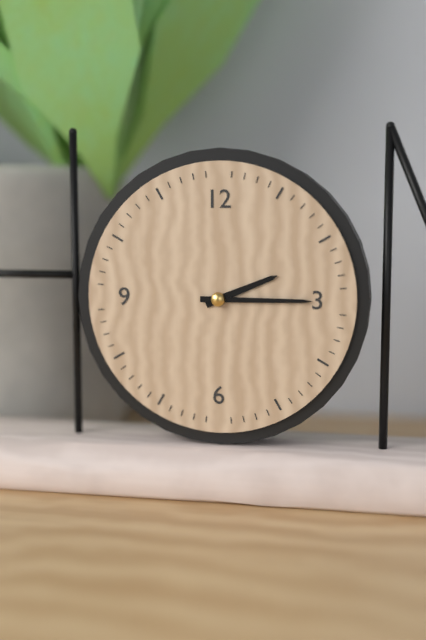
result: h=2 m=15
